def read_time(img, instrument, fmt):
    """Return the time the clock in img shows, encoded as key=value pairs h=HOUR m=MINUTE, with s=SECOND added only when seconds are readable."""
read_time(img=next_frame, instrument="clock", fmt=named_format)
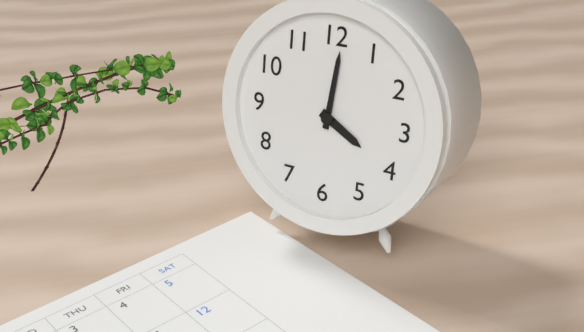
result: h=4 m=1
